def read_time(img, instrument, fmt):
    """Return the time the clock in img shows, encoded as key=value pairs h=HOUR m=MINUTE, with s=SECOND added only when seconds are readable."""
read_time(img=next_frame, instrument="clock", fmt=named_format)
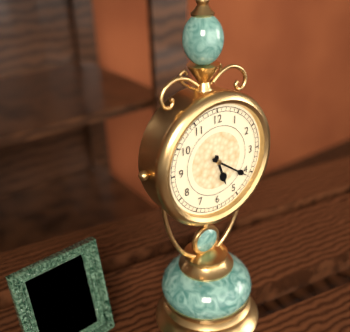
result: h=5 m=21
